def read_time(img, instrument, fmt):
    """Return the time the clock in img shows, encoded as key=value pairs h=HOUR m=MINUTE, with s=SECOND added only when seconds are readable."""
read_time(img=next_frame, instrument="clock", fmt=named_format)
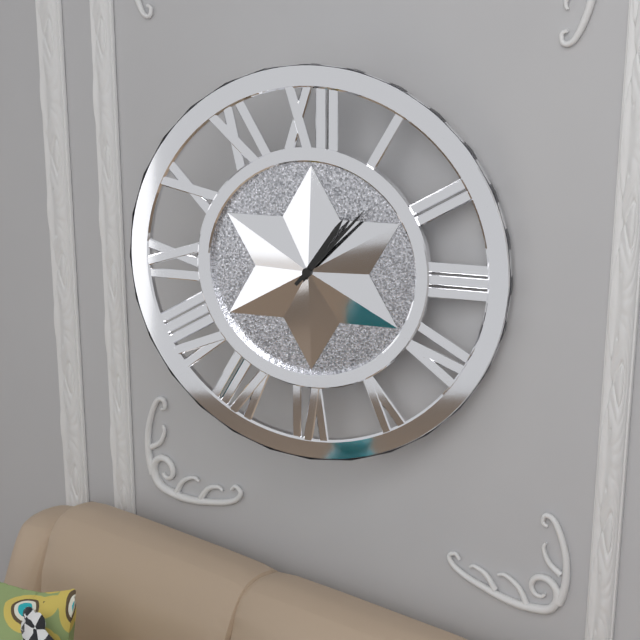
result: h=1 m=7
